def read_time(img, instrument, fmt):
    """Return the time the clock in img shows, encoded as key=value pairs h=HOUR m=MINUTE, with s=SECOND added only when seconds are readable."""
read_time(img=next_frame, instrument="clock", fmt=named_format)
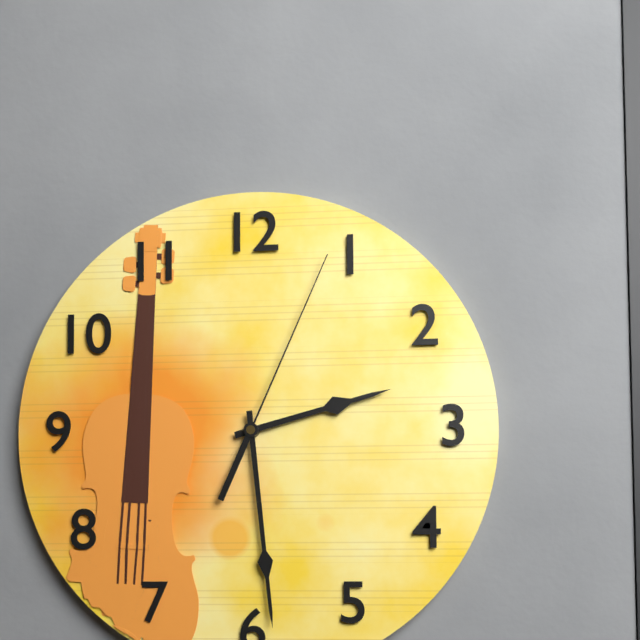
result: h=2 m=29 s=4
